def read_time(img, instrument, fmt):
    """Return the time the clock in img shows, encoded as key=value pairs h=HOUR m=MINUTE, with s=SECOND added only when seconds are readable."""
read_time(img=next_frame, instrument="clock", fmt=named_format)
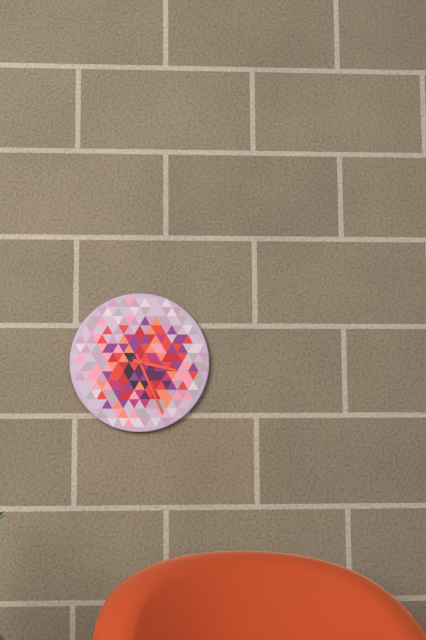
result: h=3 m=26
